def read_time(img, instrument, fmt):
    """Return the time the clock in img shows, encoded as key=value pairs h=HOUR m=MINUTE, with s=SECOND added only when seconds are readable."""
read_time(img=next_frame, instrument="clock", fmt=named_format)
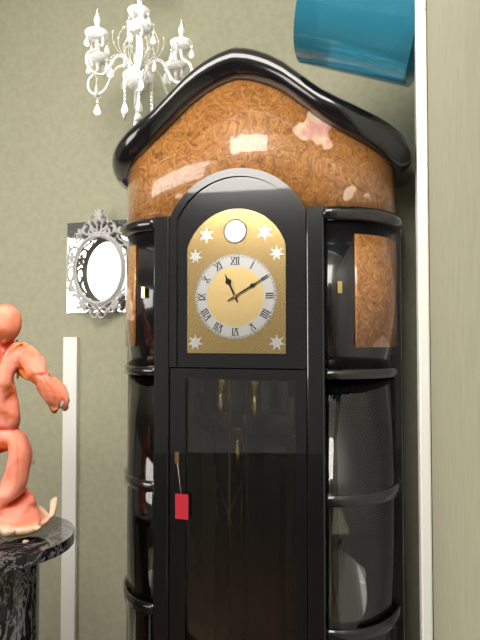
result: h=11 m=10
